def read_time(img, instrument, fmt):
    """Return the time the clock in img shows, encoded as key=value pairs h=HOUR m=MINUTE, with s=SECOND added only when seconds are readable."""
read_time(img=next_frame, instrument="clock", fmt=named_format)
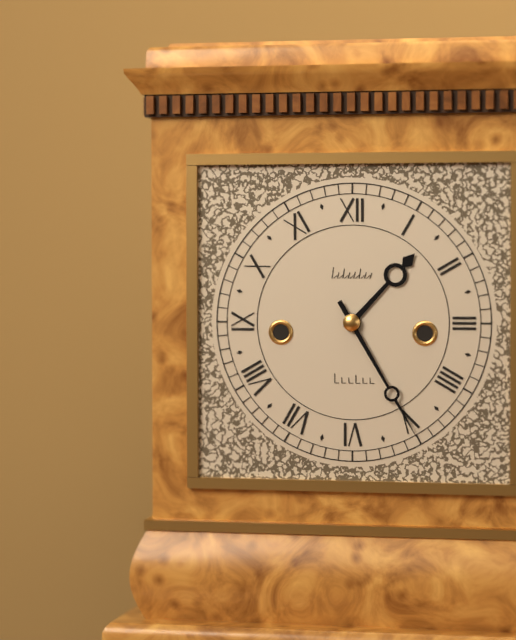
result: h=1 m=25
